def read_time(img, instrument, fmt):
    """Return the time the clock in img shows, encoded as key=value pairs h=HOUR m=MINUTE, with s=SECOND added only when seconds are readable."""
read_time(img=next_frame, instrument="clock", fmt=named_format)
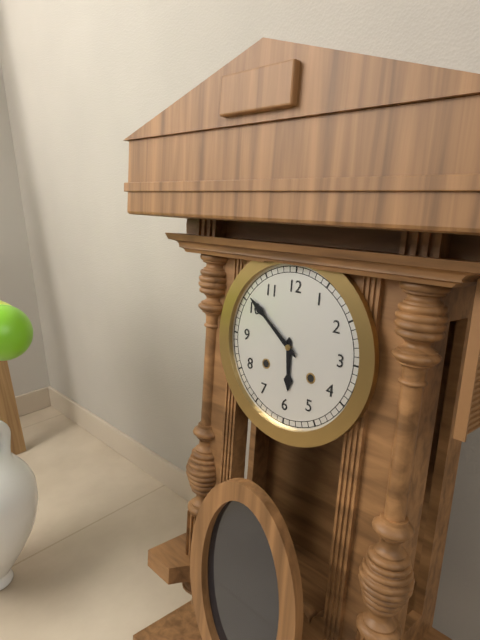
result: h=5 m=51
